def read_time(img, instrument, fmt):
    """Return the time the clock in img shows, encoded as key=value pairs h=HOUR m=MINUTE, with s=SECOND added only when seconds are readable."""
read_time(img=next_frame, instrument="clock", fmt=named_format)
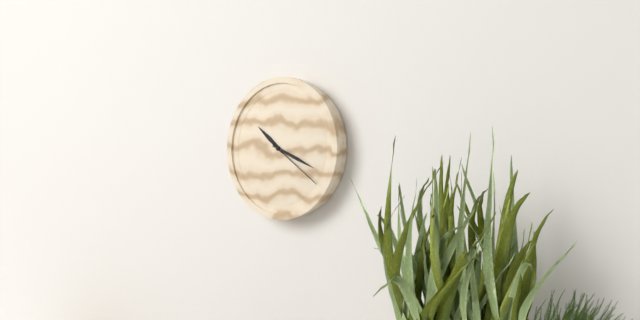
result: h=10 m=19 s=21
